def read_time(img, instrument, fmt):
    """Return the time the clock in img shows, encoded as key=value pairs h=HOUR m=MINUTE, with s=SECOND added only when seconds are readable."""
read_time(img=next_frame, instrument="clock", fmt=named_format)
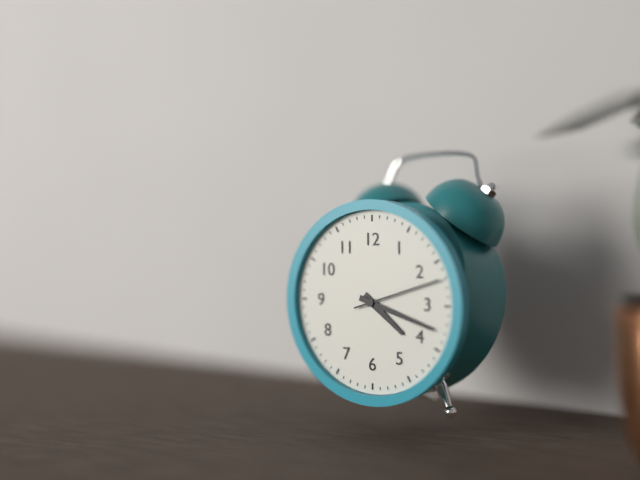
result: h=4 m=18 s=12
